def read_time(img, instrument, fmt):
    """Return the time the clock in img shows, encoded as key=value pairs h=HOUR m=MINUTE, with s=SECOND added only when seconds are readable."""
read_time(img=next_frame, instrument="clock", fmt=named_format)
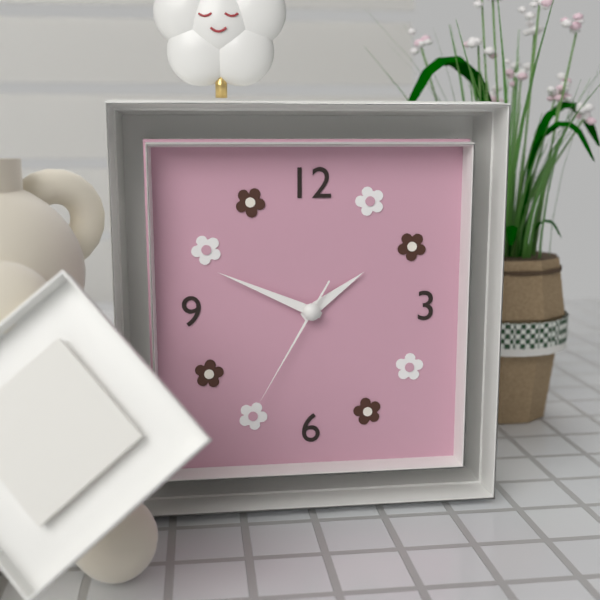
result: h=1 m=49 s=35
